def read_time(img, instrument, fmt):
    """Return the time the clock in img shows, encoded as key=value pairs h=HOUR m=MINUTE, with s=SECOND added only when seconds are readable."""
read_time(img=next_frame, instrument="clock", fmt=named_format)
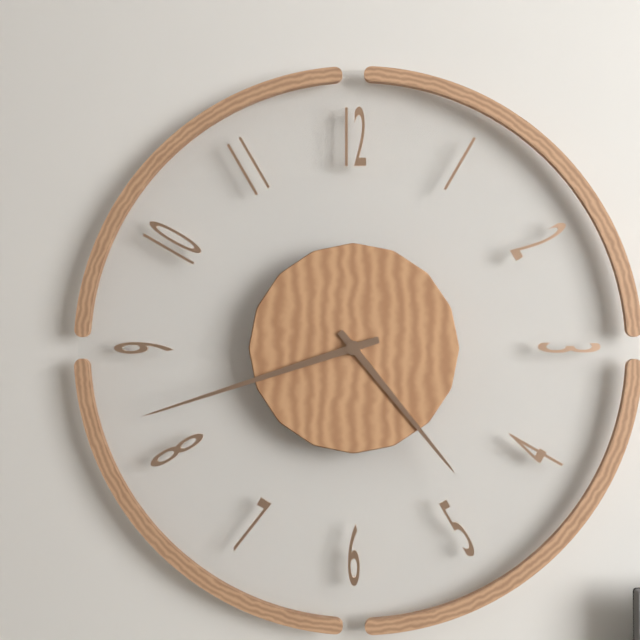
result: h=4 m=42
